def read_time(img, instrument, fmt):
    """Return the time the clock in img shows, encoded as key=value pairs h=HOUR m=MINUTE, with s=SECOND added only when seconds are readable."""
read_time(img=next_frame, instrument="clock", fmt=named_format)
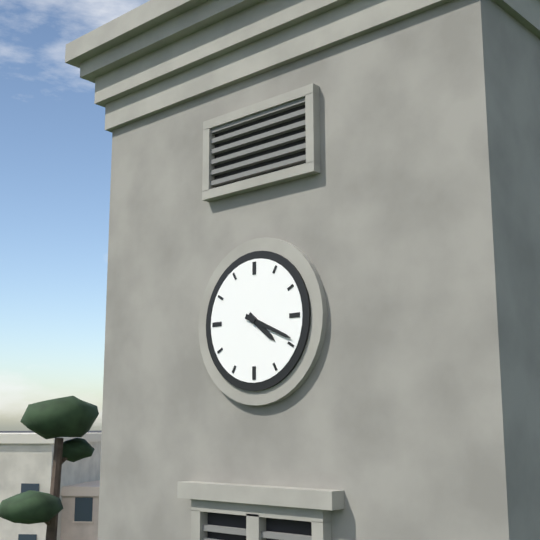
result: h=4 m=19
